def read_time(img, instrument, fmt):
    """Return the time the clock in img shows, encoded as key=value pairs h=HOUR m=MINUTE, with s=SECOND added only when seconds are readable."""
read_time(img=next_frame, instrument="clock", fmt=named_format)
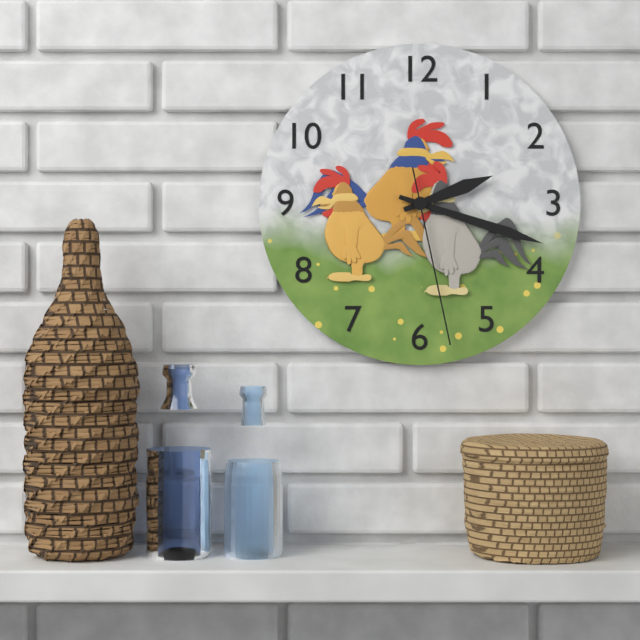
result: h=2 m=18 s=28
